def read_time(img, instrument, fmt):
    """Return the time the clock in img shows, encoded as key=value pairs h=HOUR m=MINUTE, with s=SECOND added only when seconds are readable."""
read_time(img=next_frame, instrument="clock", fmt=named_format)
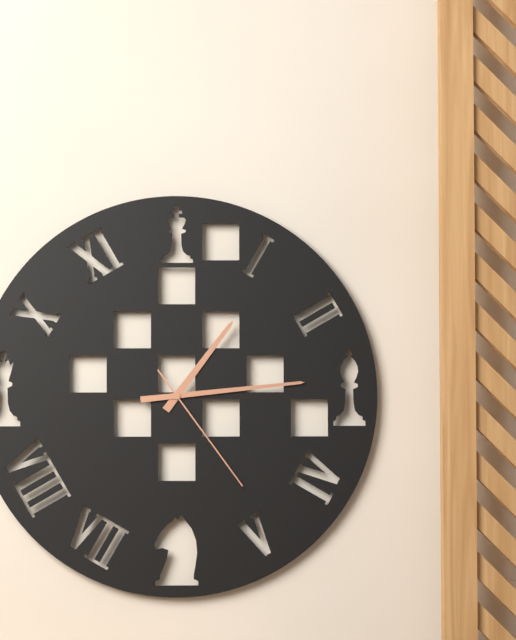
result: h=1 m=14 s=24
